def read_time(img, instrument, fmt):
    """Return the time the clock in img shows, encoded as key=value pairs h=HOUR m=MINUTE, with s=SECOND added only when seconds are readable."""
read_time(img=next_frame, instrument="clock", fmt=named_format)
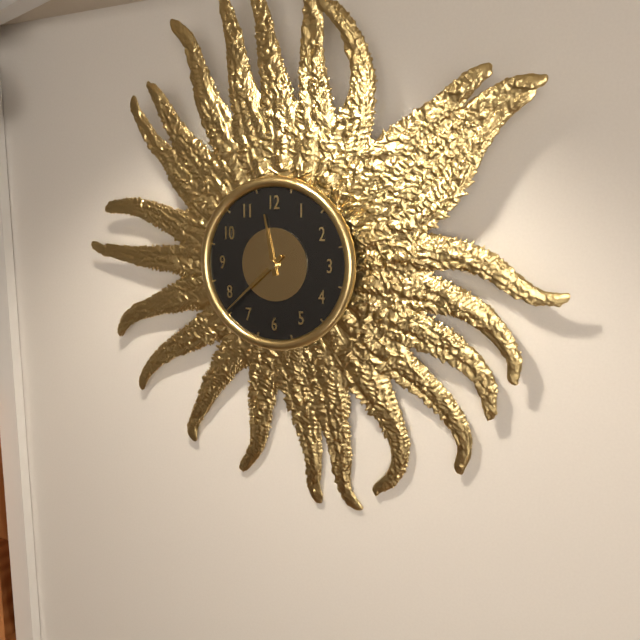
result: h=11 m=38
